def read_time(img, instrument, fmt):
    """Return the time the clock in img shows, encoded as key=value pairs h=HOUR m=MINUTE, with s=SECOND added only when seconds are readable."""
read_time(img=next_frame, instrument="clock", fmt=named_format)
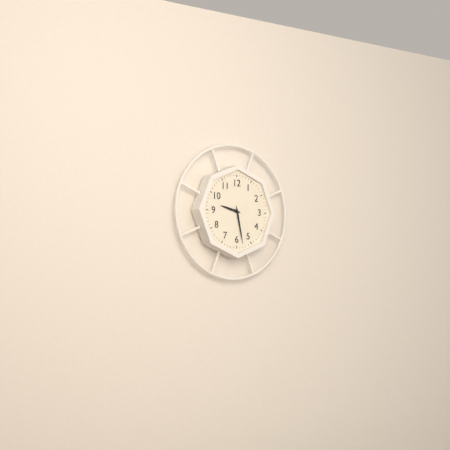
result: h=9 m=28
